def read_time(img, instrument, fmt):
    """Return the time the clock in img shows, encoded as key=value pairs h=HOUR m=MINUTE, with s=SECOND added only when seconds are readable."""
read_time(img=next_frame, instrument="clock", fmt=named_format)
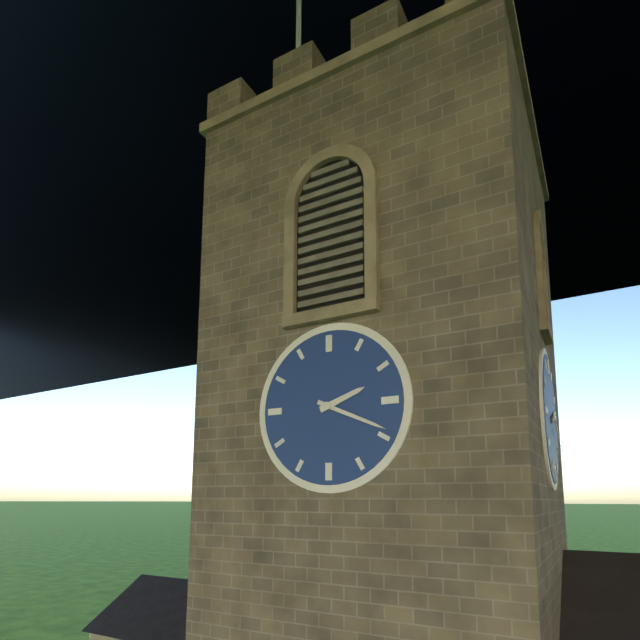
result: h=2 m=19
